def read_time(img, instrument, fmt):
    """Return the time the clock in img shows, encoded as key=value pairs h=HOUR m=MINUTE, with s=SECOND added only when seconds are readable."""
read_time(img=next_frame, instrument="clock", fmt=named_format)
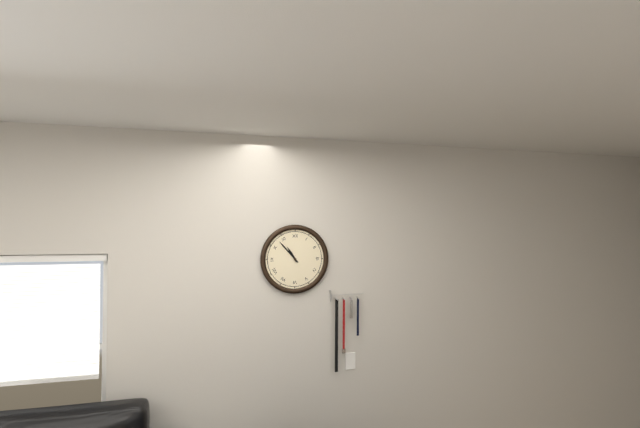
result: h=10 m=53
